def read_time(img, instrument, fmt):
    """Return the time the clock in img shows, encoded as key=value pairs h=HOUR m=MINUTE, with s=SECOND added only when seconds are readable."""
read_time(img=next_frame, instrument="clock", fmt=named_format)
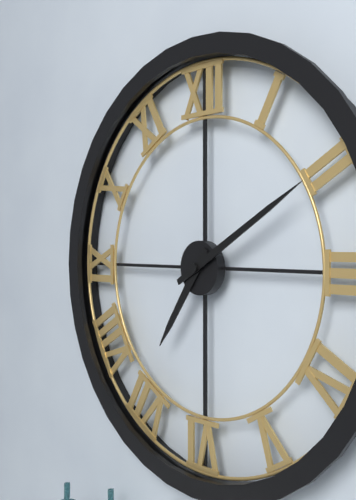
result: h=7 m=10
